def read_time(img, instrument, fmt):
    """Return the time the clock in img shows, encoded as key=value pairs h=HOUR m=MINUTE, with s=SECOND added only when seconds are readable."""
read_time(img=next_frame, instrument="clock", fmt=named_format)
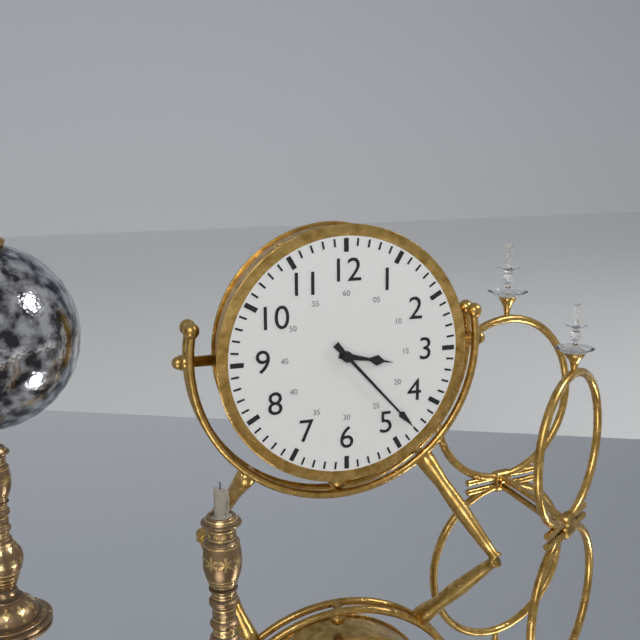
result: h=3 m=23
